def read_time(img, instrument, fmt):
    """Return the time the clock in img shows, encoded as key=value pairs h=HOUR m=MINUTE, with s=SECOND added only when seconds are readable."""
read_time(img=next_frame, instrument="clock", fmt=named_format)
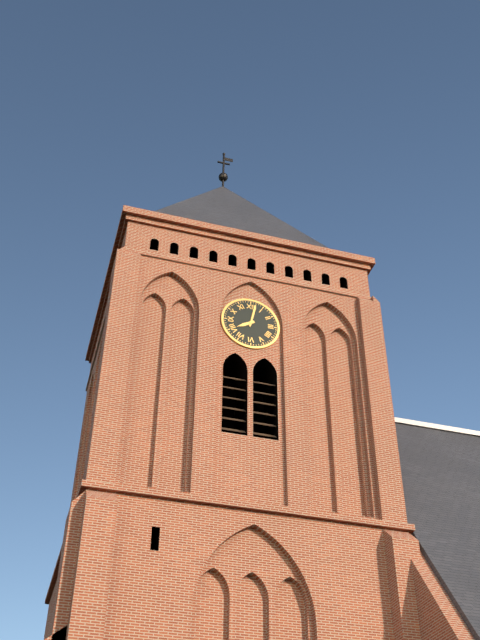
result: h=8 m=2
